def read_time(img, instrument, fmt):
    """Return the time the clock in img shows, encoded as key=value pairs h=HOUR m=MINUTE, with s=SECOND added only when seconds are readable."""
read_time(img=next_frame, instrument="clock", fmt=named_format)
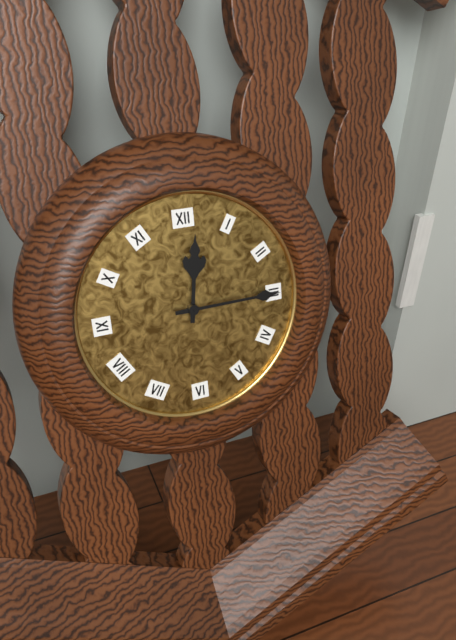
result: h=12 m=15
